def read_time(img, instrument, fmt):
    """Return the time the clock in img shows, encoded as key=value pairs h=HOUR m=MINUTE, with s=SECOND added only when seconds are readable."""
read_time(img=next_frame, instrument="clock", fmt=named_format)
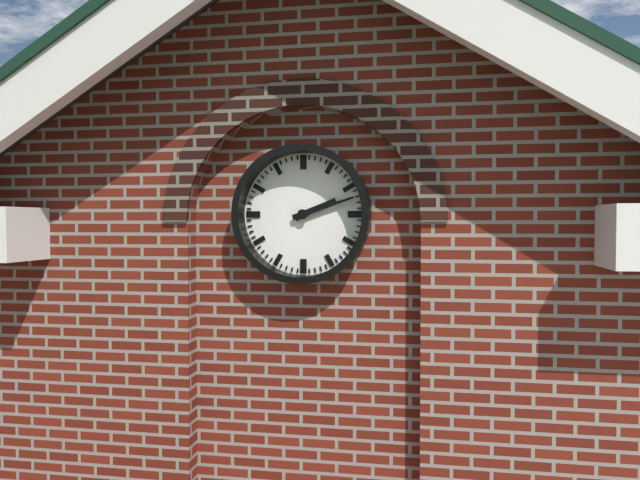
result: h=2 m=12
